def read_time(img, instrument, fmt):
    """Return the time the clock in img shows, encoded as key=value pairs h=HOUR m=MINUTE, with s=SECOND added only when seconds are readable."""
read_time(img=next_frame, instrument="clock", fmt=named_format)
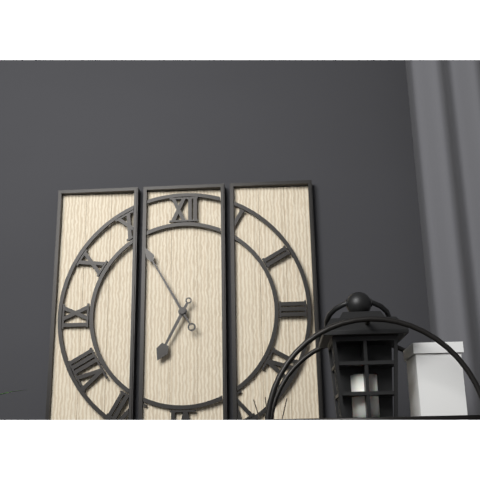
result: h=6 m=55
